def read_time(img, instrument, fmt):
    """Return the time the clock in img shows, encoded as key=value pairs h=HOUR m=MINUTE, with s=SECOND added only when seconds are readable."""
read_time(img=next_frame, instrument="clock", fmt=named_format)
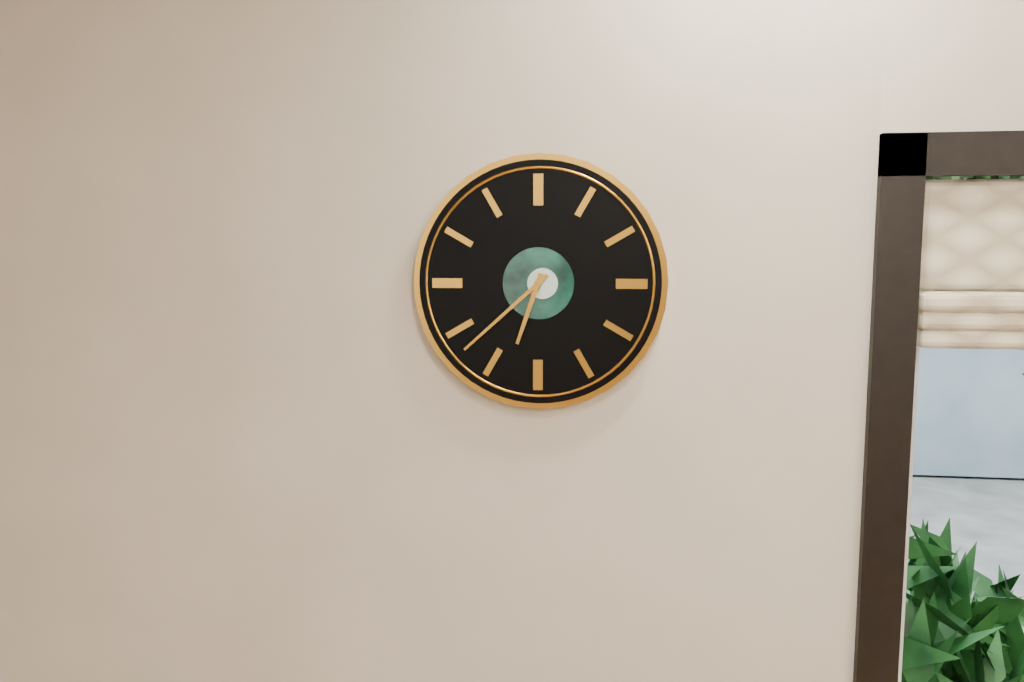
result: h=6 m=38
